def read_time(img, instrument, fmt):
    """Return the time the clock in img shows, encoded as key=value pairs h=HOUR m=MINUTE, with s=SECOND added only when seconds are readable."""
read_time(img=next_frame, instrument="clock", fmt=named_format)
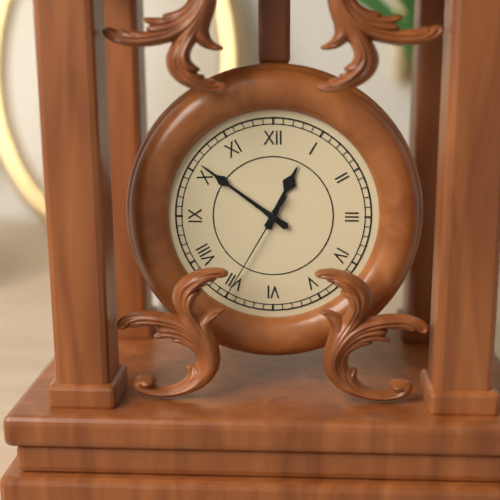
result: h=12 m=51 s=35
